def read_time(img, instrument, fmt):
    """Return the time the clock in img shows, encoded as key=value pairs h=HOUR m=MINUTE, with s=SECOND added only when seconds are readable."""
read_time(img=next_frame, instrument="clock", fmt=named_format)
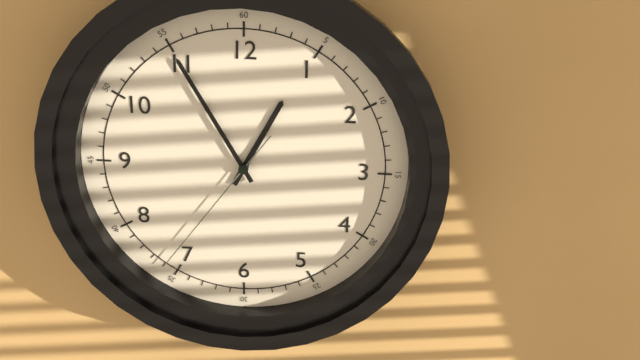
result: h=12 m=55 s=36
